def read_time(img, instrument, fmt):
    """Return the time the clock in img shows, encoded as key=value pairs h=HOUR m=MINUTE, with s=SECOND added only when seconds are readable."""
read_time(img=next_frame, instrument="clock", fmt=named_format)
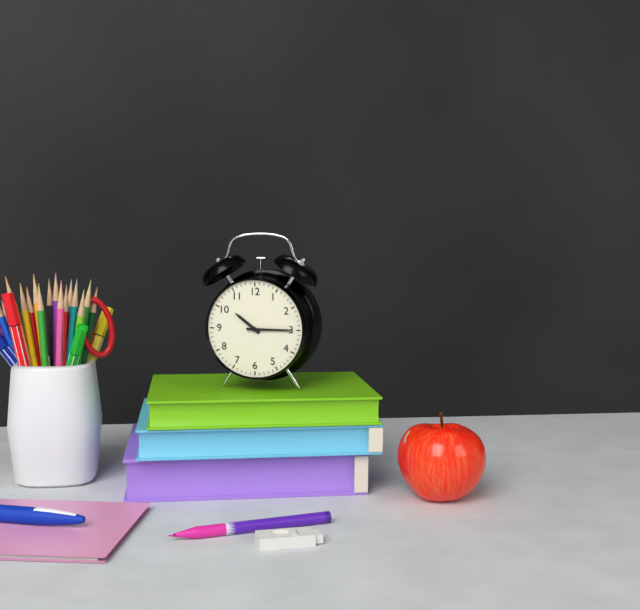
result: h=10 m=15
